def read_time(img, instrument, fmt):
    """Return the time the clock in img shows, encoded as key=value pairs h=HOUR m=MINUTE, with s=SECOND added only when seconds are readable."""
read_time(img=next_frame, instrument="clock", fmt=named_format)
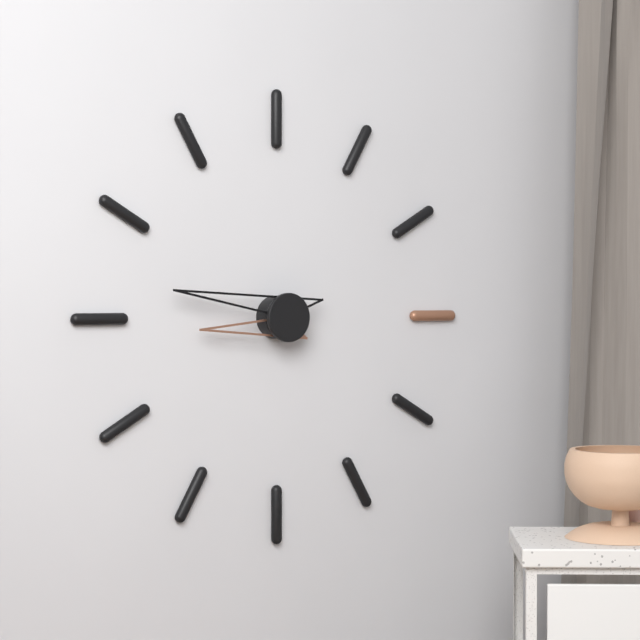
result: h=8 m=47
